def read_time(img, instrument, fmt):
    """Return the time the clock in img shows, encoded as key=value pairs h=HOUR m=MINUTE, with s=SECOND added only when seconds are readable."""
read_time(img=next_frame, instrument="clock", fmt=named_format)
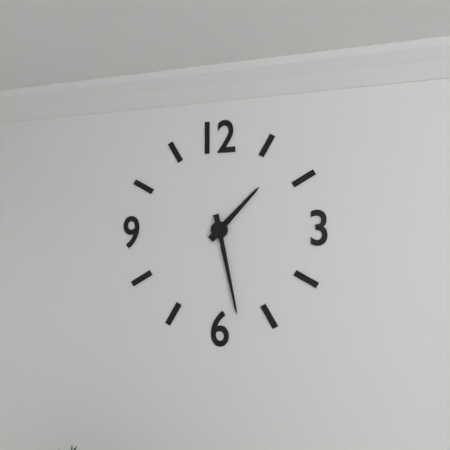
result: h=1 m=28
